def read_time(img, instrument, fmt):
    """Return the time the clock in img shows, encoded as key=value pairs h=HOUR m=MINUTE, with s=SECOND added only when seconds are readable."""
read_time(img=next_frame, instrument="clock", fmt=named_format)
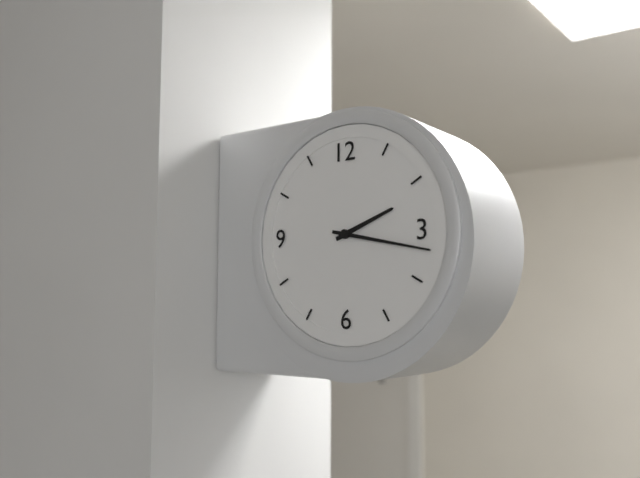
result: h=2 m=17
